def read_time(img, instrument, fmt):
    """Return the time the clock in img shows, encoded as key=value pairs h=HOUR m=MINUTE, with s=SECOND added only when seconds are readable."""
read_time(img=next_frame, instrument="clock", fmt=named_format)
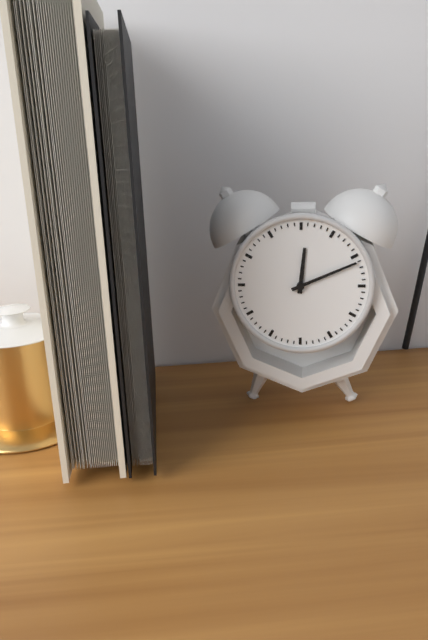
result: h=12 m=11
